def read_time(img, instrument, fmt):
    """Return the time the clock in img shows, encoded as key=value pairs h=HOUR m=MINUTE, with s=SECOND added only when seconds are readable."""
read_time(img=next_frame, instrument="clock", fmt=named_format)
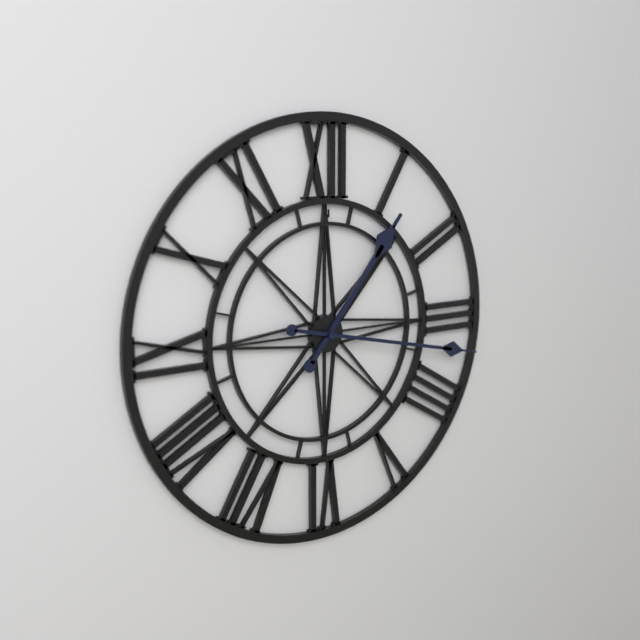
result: h=1 m=17
